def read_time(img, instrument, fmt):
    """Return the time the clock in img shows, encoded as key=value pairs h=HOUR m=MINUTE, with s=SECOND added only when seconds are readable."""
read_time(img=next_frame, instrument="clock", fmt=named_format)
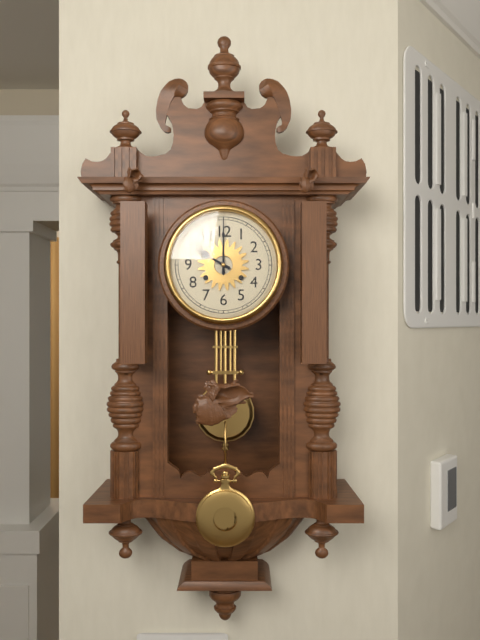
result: h=10 m=0
